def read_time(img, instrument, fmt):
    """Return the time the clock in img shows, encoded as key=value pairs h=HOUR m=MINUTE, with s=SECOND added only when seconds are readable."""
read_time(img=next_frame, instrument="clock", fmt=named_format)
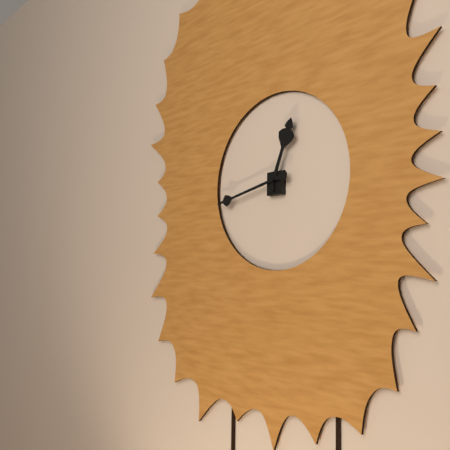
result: h=12 m=43
